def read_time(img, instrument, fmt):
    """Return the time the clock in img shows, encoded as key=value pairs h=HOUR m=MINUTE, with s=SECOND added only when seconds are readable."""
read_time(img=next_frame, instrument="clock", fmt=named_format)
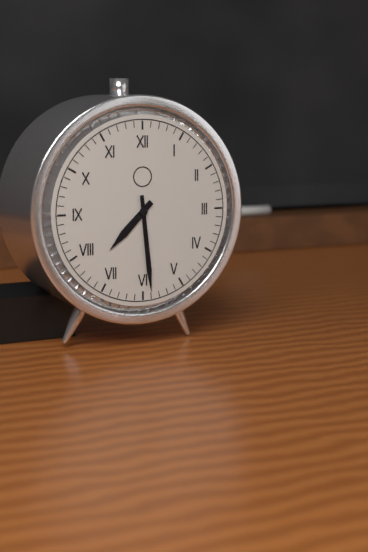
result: h=7 m=29
